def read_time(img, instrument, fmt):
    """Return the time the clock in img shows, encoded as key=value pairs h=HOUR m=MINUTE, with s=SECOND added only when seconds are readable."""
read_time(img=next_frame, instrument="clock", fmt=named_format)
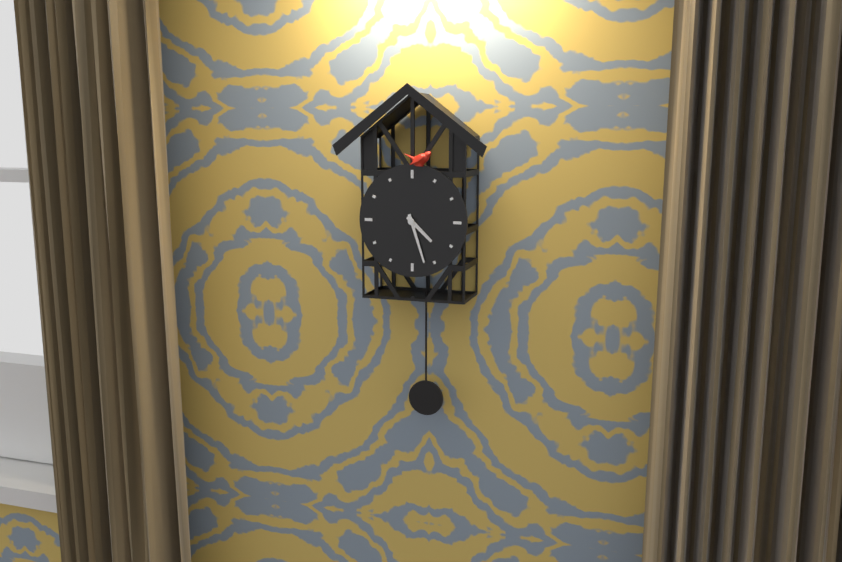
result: h=4 m=27
